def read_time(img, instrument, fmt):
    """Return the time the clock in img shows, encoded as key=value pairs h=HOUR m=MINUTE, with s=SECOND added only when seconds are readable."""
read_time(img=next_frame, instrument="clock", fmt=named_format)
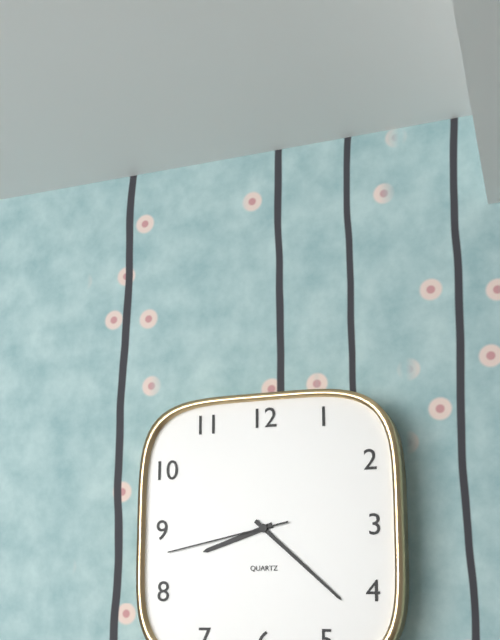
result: h=8 m=22 s=43
